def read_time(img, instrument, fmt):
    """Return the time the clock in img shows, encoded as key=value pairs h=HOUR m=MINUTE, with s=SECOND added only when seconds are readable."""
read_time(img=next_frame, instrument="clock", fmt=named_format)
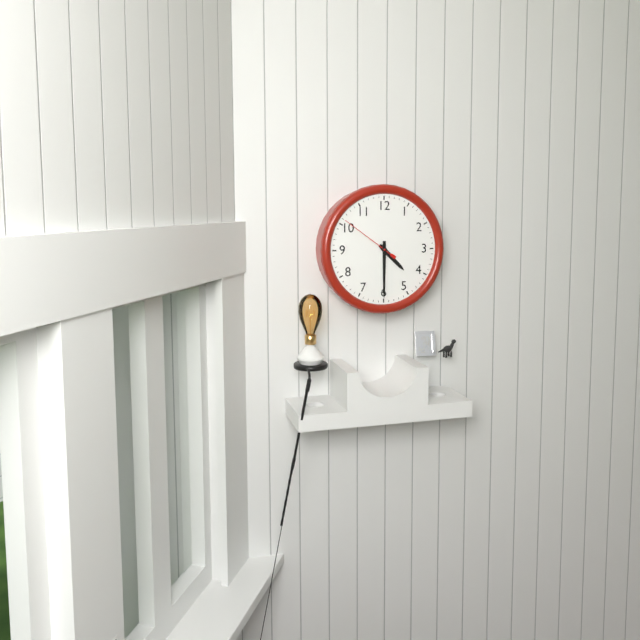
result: h=4 m=30
